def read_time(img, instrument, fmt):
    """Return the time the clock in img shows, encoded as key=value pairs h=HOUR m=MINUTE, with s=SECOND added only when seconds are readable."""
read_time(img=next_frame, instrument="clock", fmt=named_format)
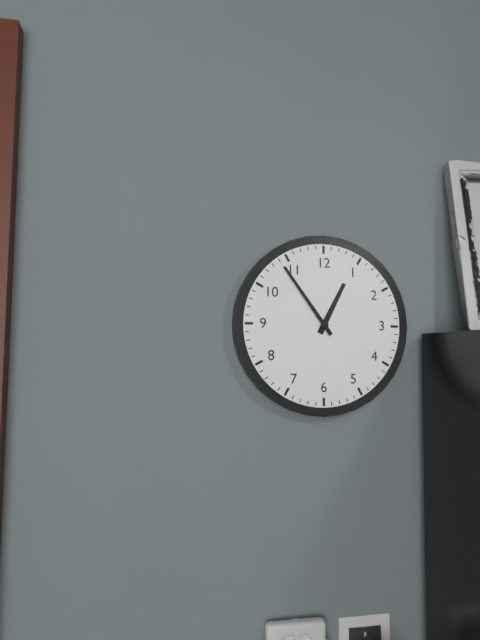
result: h=12 m=54
